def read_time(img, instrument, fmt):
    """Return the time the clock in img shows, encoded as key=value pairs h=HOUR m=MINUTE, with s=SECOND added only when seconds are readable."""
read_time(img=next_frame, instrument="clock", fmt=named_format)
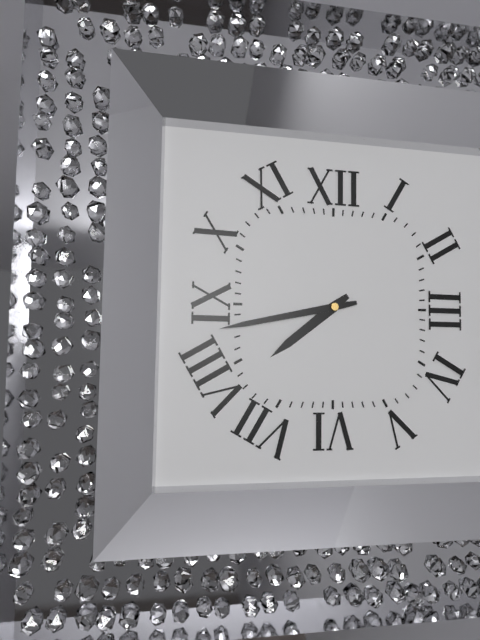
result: h=7 m=43
